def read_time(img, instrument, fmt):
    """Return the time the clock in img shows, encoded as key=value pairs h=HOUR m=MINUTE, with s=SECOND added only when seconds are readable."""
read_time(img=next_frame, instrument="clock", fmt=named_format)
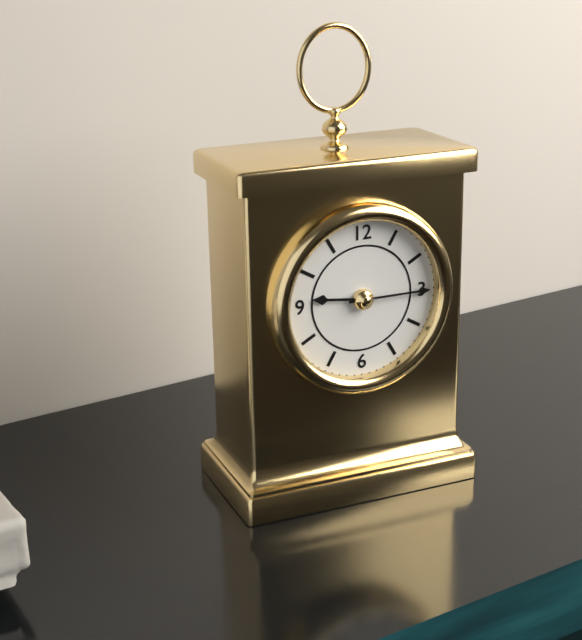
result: h=9 m=15
